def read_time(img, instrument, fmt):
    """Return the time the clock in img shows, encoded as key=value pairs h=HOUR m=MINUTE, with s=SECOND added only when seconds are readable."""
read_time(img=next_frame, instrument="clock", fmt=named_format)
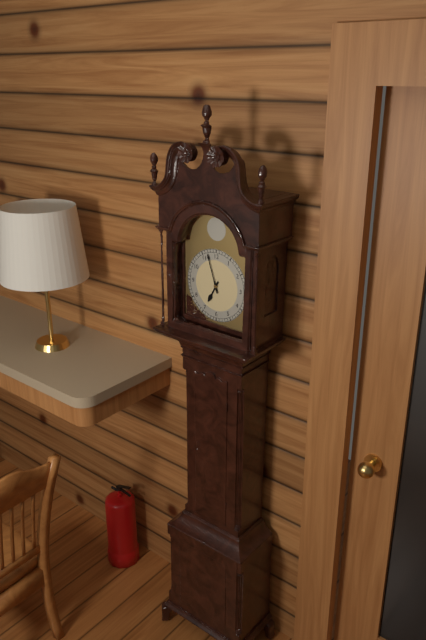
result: h=6 m=57
